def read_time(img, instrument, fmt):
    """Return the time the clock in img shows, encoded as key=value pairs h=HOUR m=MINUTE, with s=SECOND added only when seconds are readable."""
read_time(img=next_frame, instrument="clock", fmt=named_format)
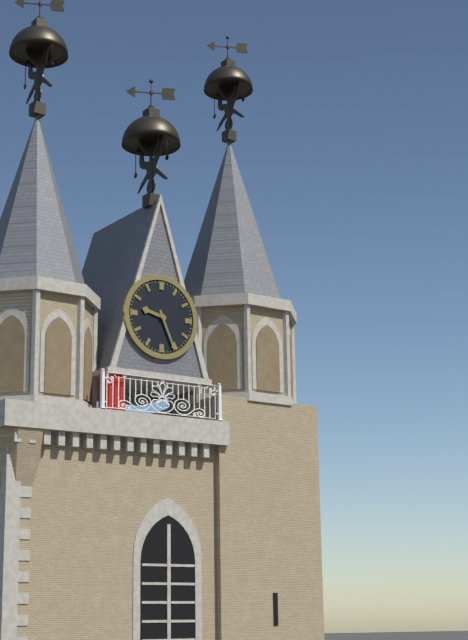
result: h=9 m=26
